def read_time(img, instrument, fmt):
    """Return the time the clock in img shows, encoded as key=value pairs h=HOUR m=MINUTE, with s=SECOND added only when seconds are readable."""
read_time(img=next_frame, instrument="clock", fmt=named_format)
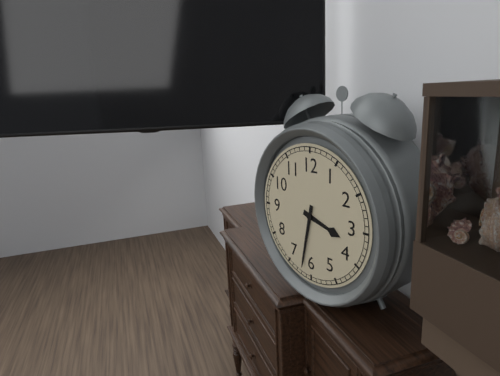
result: h=3 m=32
